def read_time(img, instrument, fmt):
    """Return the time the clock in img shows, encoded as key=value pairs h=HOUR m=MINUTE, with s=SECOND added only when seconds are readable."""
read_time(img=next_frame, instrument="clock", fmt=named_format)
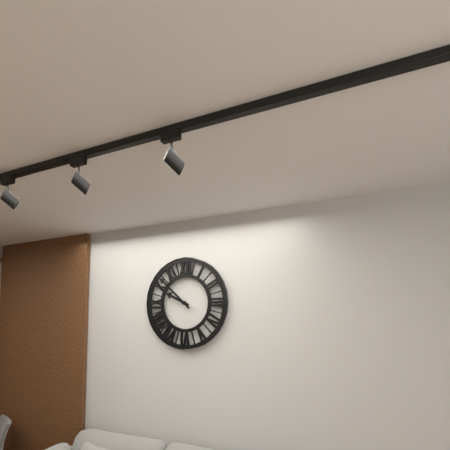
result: h=9 m=52
